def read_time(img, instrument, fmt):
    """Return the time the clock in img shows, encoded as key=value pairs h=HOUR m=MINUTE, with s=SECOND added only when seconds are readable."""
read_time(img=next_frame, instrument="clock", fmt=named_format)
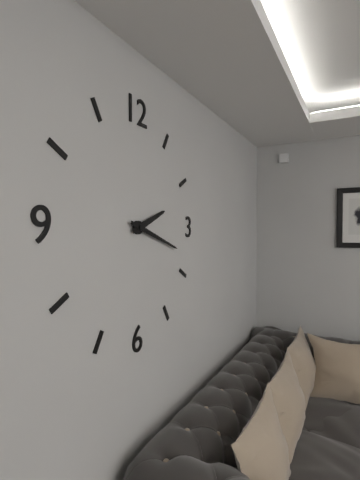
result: h=2 m=18
